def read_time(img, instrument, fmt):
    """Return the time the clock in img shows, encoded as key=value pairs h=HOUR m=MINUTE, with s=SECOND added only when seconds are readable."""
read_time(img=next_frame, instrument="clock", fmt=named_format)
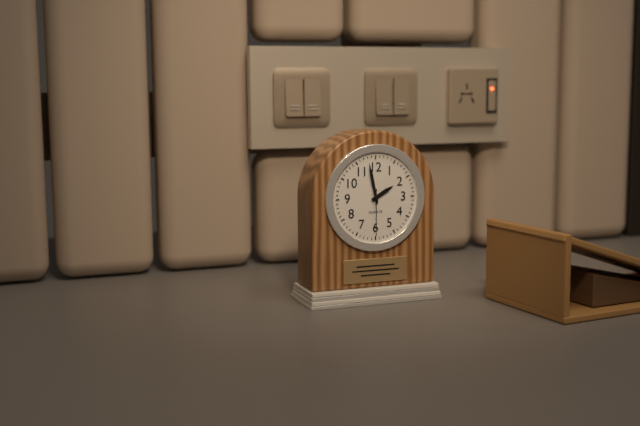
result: h=1 m=58
